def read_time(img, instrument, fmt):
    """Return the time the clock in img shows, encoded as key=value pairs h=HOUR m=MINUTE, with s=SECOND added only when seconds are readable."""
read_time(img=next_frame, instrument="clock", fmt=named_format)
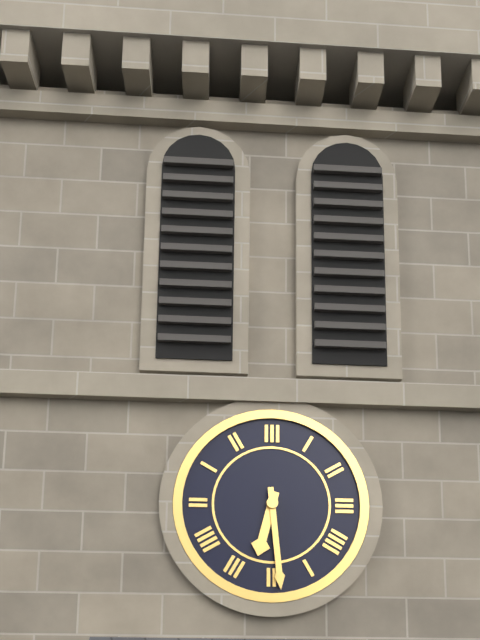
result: h=6 m=29
